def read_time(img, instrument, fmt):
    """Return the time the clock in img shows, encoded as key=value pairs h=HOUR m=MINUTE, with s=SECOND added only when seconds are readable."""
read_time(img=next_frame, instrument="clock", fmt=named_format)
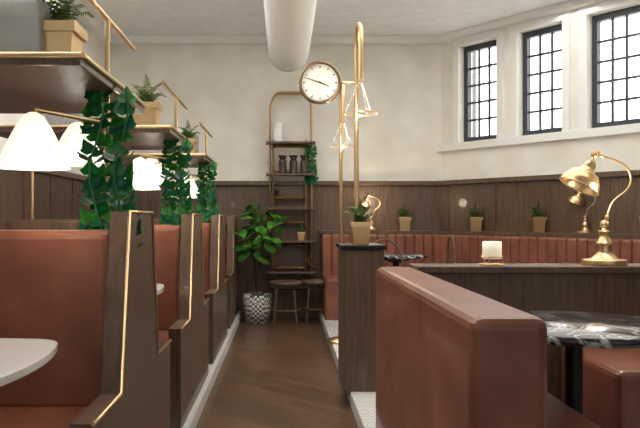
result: h=3 m=48
